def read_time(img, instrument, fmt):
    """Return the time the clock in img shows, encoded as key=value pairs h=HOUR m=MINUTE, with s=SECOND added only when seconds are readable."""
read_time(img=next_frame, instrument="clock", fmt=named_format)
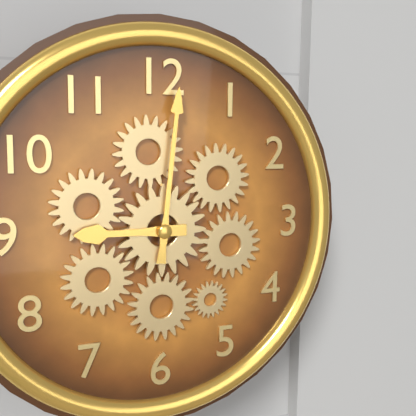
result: h=9 m=1
